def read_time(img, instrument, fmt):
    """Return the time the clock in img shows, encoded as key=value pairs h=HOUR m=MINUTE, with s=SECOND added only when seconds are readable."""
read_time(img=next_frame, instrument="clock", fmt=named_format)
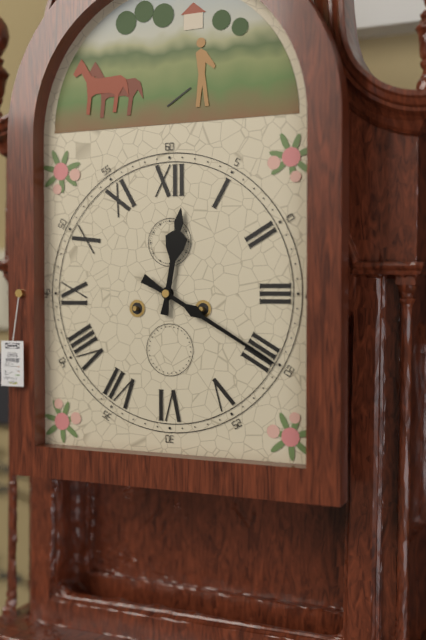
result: h=12 m=20
